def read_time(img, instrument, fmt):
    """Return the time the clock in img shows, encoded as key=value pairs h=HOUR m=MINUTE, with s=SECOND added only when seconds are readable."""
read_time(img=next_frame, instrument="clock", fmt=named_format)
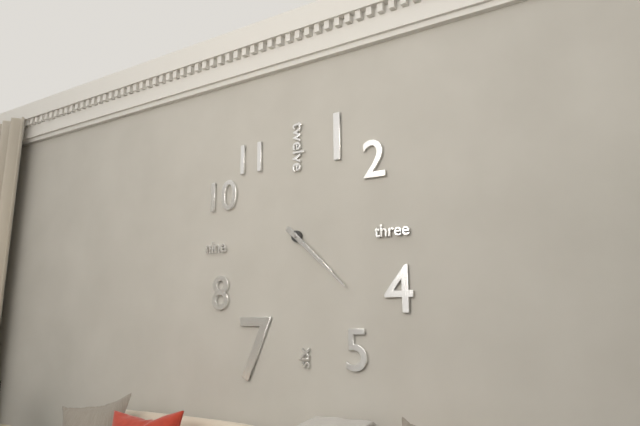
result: h=4 m=22
